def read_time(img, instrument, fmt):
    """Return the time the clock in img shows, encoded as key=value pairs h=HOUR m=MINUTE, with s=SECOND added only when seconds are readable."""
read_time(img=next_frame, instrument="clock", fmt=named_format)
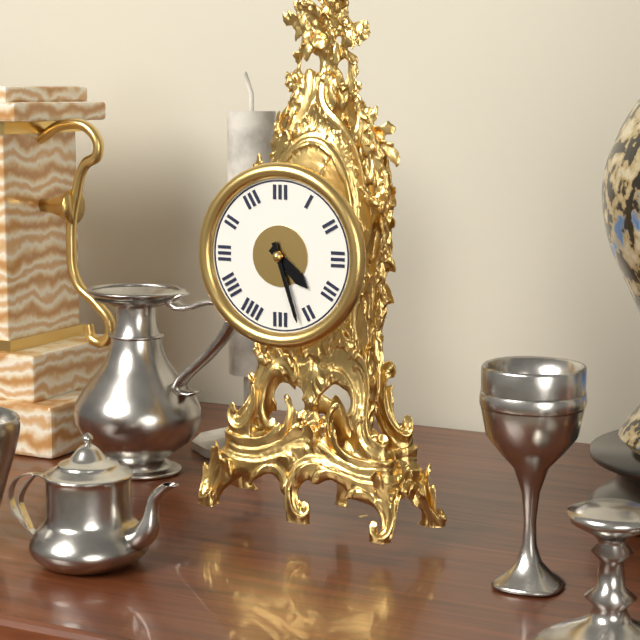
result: h=4 m=27
